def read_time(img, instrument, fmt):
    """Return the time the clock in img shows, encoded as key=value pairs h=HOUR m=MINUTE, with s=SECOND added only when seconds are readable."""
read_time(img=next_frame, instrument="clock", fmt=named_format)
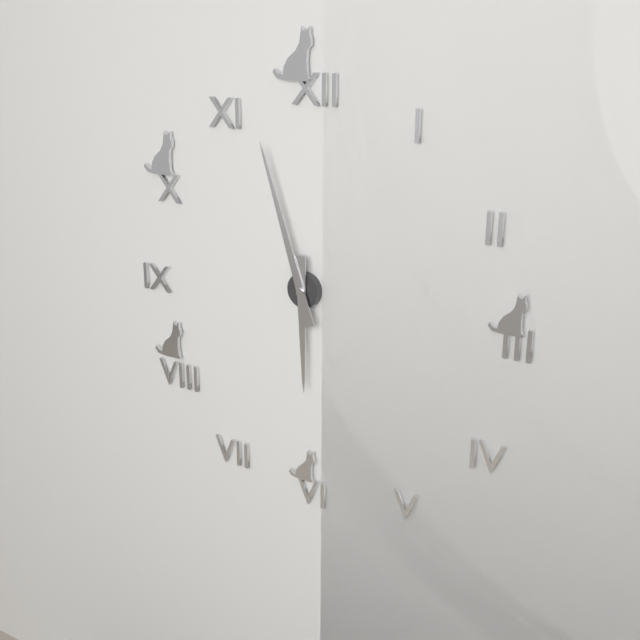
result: h=5 m=57
